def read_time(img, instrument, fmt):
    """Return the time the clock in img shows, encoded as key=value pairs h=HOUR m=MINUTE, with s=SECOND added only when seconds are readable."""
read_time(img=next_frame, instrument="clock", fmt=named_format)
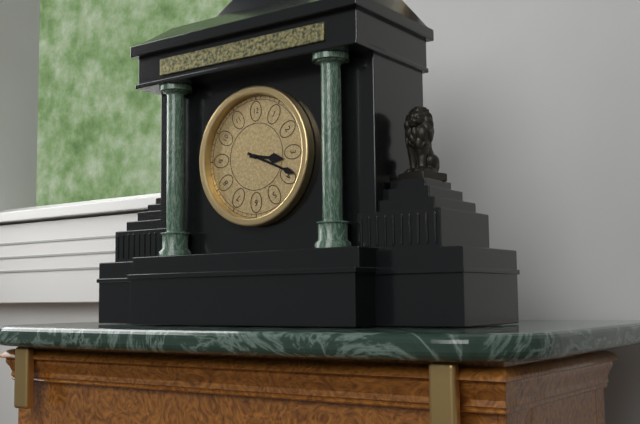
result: h=3 m=19
